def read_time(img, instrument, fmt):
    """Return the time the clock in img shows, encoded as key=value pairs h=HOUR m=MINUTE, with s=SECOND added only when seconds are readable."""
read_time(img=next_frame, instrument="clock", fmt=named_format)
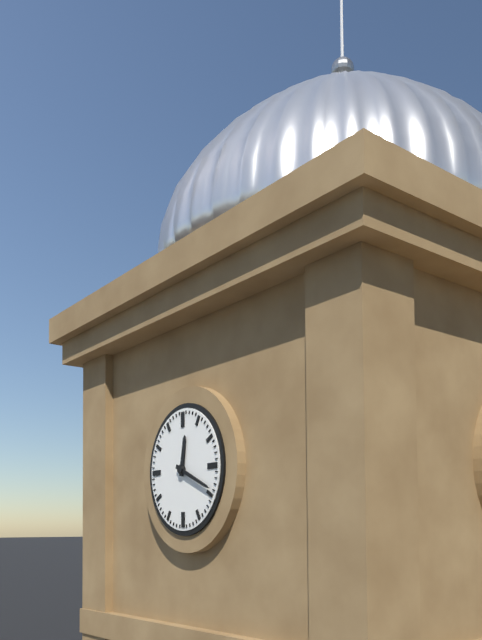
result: h=12 m=19
